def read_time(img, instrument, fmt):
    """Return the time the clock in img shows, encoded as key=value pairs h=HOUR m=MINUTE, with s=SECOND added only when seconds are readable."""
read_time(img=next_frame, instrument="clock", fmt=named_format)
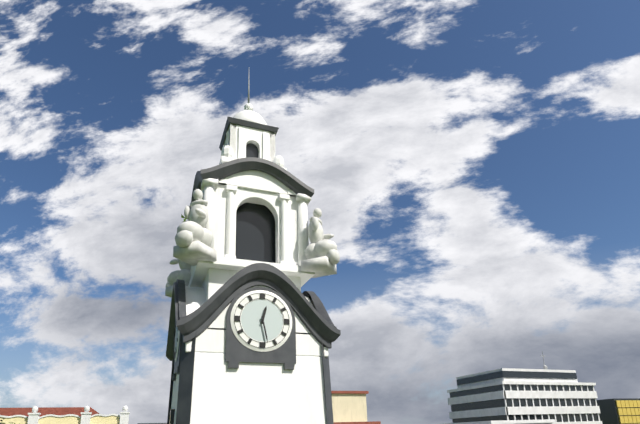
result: h=12 m=28
